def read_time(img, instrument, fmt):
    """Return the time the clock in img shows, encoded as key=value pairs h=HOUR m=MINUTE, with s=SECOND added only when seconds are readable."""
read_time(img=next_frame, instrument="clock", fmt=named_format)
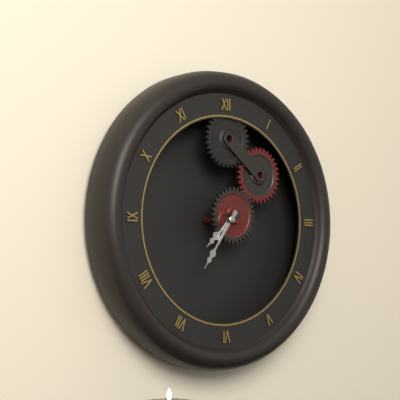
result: h=7 m=36
